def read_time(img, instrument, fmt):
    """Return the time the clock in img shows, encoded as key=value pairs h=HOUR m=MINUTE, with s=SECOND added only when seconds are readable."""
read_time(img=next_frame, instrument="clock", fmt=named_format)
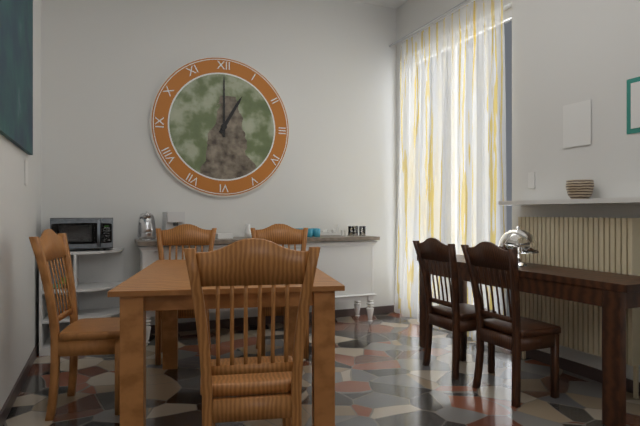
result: h=1 m=0
